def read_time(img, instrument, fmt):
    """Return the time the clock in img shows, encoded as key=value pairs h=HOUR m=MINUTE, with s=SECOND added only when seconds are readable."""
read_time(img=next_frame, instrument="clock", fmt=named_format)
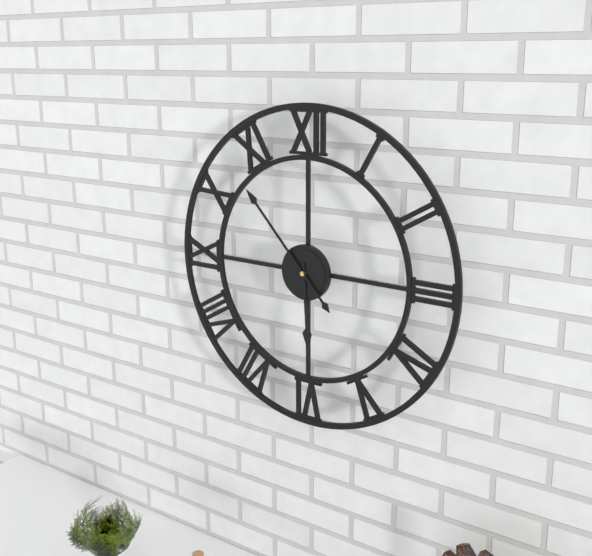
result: h=5 m=53
